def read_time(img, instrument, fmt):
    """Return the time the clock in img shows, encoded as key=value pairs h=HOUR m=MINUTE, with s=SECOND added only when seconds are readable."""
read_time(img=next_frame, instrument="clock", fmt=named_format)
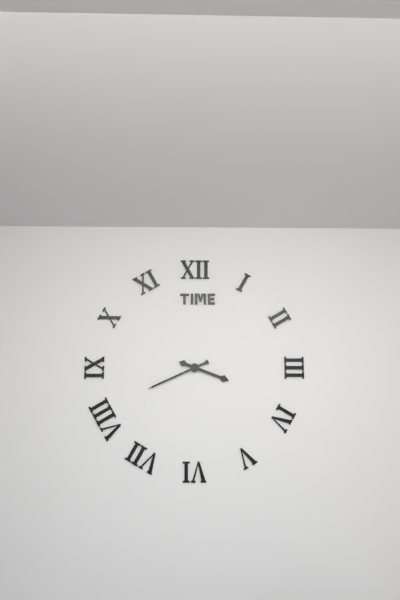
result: h=3 m=41
